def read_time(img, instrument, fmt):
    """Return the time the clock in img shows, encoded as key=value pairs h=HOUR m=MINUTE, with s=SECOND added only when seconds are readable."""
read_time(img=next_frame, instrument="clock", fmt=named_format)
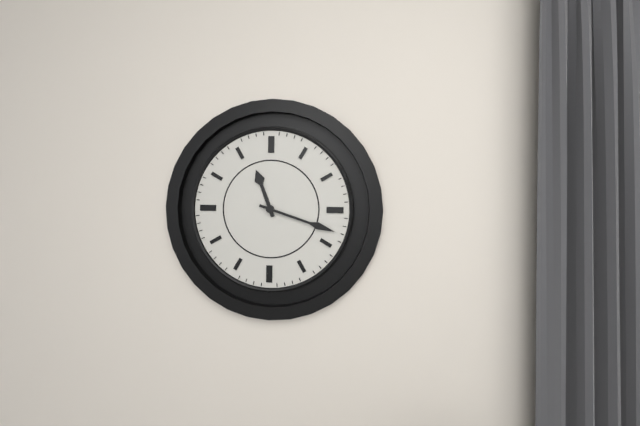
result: h=11 m=18
